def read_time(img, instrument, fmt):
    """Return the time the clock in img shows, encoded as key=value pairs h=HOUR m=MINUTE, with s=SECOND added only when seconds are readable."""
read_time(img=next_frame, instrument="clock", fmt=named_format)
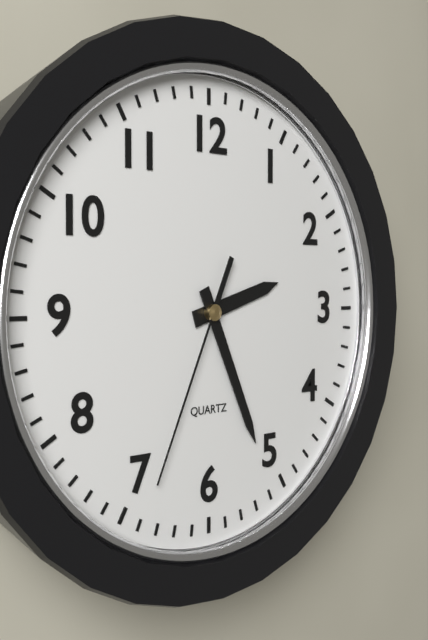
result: h=2 m=26 s=34
